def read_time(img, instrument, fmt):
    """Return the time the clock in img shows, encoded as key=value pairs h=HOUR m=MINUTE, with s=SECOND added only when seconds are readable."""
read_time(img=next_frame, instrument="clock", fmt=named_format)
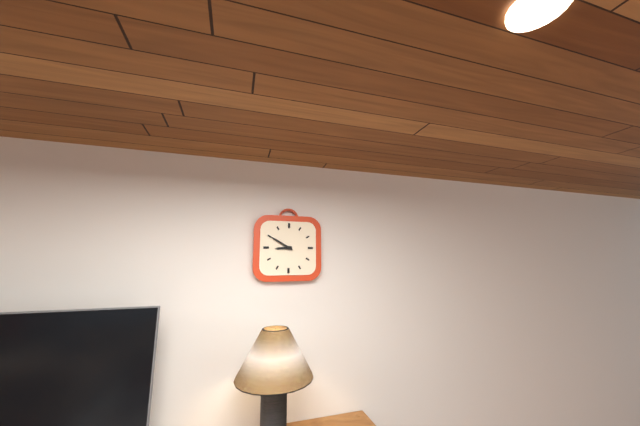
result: h=8 m=50
